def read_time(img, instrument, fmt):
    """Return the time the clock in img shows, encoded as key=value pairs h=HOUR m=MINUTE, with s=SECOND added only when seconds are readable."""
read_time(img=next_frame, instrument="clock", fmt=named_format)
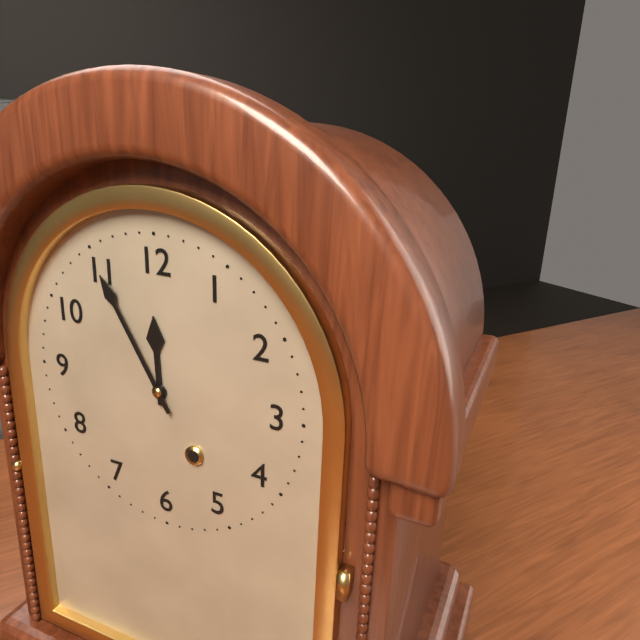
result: h=11 m=55
